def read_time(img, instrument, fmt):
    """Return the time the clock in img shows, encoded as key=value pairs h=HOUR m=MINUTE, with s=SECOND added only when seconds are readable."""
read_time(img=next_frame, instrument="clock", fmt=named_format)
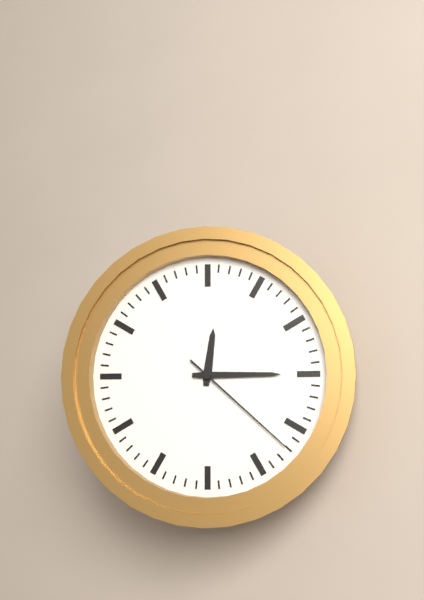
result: h=12 m=15 s=22
